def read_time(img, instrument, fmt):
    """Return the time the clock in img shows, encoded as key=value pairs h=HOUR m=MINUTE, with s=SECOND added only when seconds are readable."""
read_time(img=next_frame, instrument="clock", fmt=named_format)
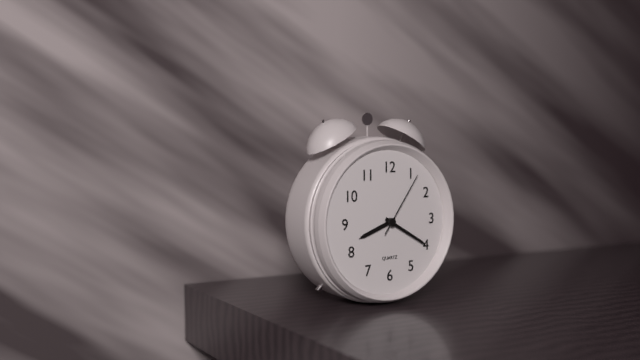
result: h=8 m=20 s=6
